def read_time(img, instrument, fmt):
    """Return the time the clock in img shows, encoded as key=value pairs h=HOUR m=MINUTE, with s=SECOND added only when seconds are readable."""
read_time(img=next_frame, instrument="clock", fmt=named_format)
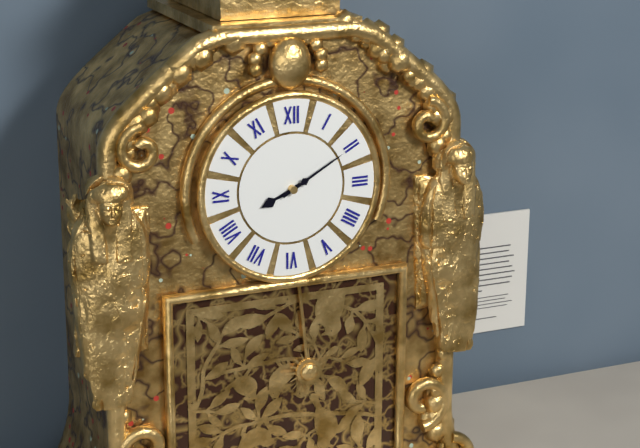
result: h=8 m=10
